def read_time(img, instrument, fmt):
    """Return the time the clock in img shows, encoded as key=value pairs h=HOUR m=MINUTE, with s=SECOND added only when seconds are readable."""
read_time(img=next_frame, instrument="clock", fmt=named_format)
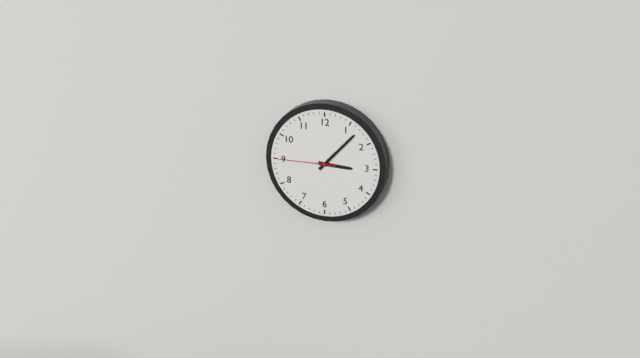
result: h=3 m=7 s=45
